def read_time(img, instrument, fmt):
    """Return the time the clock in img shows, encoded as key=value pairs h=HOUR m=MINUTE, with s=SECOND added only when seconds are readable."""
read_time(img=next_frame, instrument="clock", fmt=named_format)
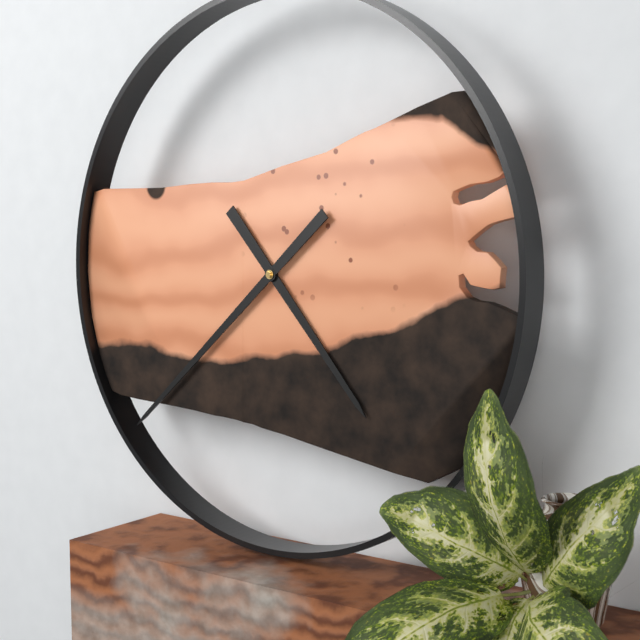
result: h=4 m=38
